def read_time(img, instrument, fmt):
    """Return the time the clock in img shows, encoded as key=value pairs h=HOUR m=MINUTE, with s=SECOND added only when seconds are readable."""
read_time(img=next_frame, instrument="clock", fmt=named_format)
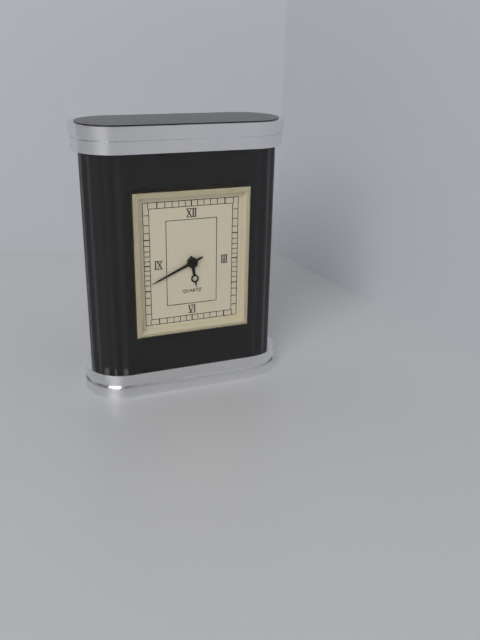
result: h=5 m=41
